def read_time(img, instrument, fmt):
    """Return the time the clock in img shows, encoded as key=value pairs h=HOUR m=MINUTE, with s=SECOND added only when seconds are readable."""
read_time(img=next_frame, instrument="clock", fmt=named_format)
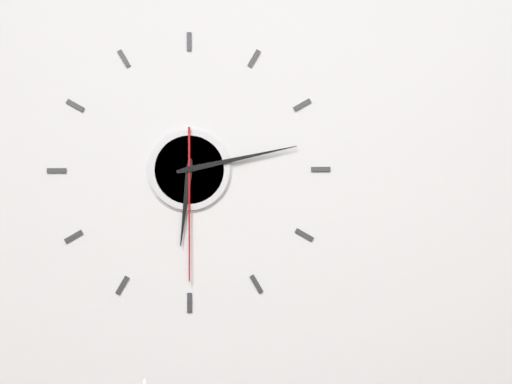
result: h=6 m=13 s=30
